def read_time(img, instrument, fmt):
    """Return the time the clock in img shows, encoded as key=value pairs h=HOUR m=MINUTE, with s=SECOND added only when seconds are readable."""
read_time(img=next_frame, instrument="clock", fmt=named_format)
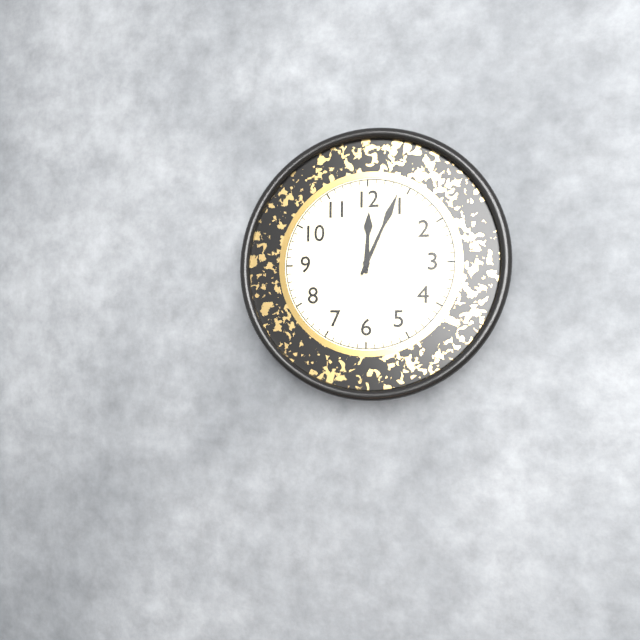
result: h=12 m=4
